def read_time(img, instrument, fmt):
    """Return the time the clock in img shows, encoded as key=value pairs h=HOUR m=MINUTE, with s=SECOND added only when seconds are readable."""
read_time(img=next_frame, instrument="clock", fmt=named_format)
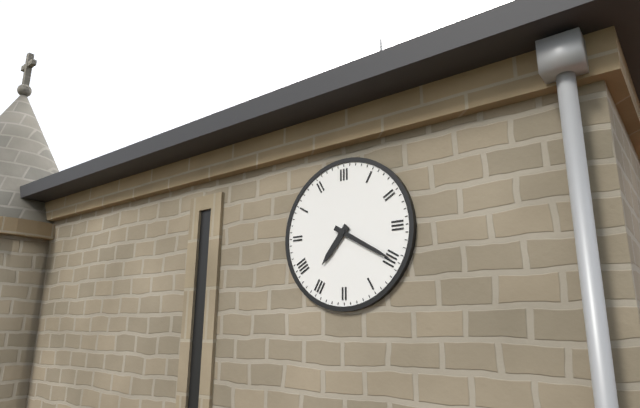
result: h=7 m=20
